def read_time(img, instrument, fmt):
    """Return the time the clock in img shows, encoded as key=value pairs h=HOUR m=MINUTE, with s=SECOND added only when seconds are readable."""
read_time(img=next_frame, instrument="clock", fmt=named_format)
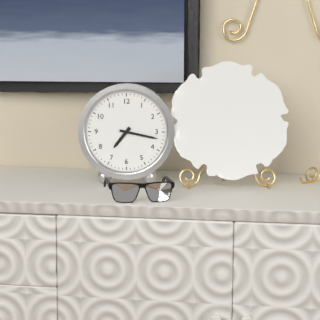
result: h=7 m=17
